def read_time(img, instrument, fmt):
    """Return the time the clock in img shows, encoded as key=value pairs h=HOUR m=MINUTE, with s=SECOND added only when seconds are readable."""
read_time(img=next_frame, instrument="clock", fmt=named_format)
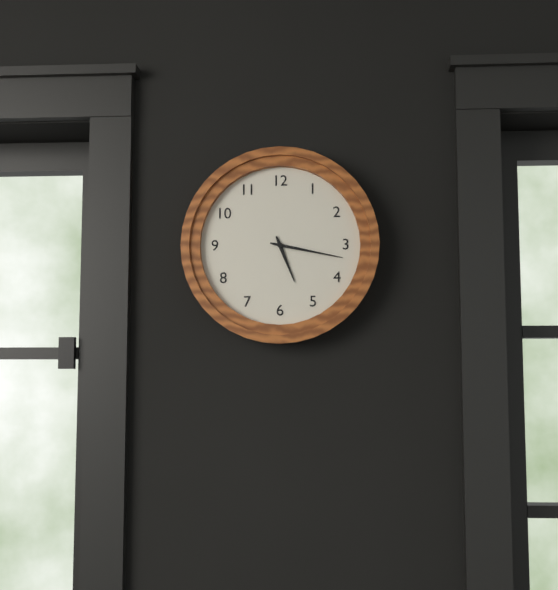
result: h=5 m=17
